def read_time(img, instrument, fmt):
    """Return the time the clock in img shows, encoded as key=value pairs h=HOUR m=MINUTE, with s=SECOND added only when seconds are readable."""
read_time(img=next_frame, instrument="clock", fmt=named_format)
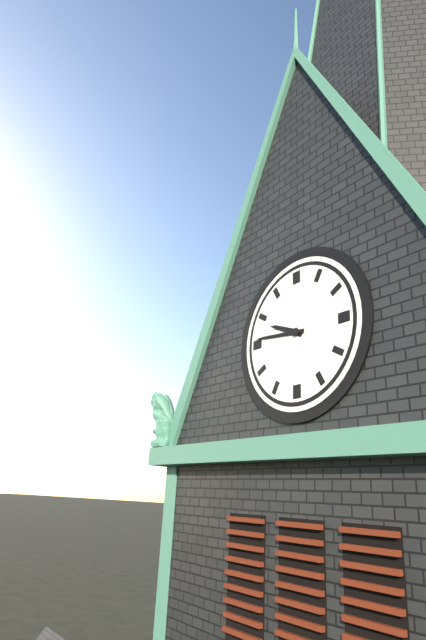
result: h=9 m=46
